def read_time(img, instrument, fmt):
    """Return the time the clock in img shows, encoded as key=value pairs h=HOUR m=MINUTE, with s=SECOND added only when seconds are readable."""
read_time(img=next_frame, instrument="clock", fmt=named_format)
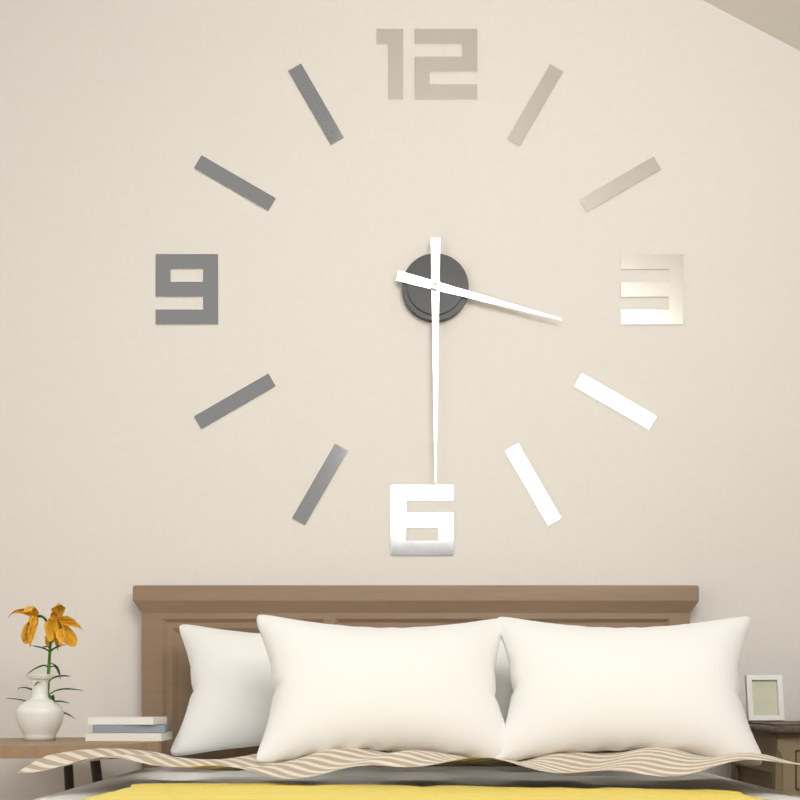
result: h=3 m=30
